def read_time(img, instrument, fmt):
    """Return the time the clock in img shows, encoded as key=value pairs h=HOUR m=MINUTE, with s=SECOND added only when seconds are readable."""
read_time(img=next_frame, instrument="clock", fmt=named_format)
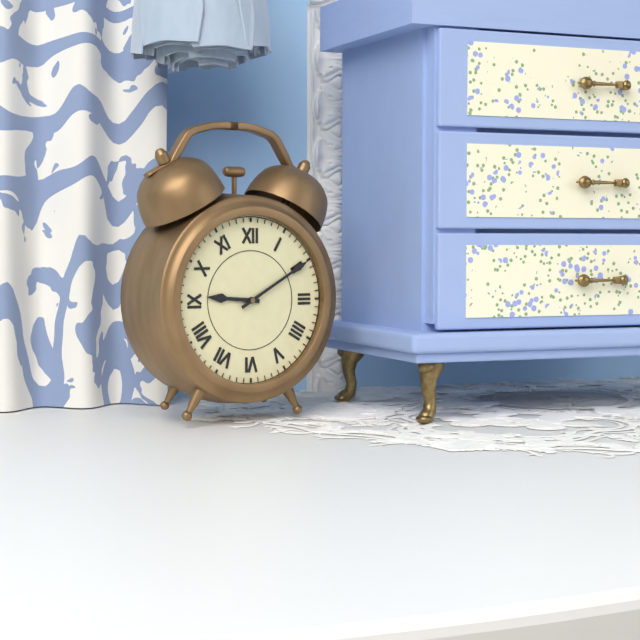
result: h=9 m=10
